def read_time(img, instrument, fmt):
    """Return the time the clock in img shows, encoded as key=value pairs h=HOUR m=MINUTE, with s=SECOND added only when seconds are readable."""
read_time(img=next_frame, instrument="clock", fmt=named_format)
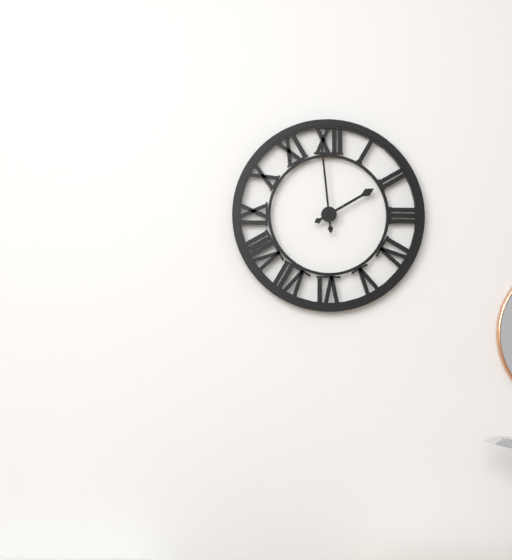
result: h=1 m=59
